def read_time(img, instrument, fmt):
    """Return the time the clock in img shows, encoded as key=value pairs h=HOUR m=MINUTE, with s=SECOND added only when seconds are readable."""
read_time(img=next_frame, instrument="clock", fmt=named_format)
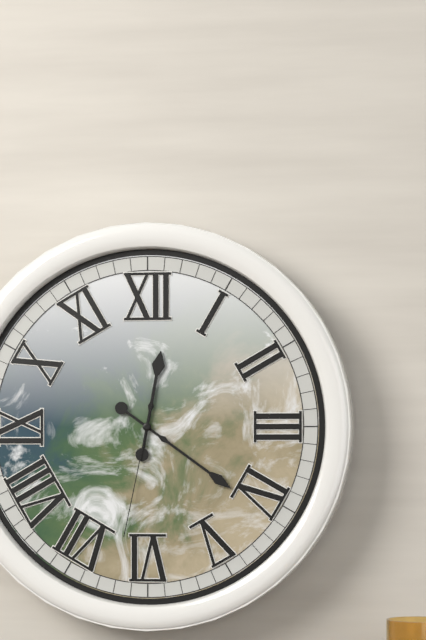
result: h=12 m=21 s=32
